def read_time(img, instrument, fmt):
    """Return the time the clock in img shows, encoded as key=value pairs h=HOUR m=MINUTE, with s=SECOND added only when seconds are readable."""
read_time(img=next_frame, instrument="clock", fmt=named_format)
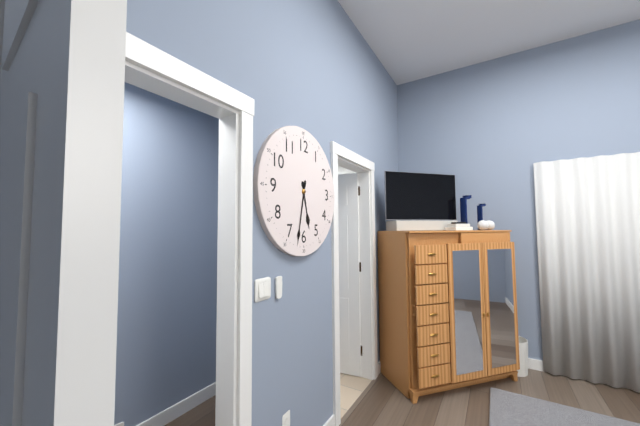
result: h=5 m=32
